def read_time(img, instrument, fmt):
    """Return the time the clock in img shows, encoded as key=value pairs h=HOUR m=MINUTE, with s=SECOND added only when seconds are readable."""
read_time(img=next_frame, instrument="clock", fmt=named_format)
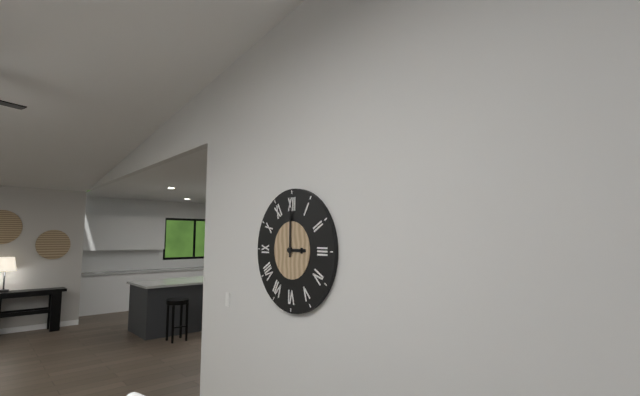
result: h=3 m=0
